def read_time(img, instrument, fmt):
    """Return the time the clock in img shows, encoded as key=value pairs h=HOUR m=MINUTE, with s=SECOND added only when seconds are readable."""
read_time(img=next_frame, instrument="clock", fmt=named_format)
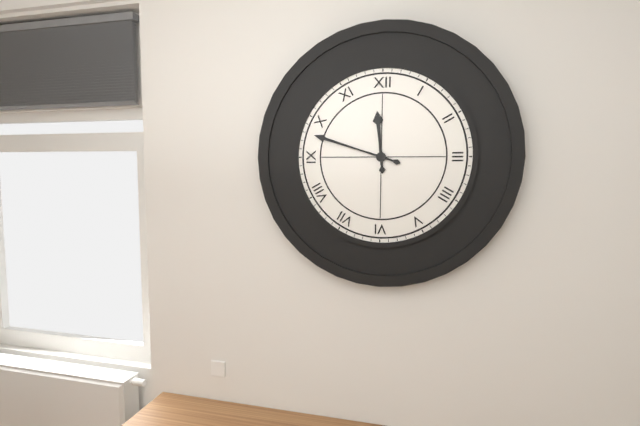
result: h=11 m=48
